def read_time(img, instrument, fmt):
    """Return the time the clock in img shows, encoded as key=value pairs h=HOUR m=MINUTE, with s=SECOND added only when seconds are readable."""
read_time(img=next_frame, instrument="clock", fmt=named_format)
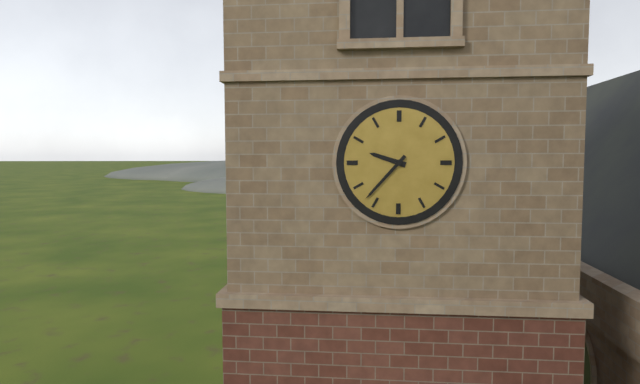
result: h=9 m=37
